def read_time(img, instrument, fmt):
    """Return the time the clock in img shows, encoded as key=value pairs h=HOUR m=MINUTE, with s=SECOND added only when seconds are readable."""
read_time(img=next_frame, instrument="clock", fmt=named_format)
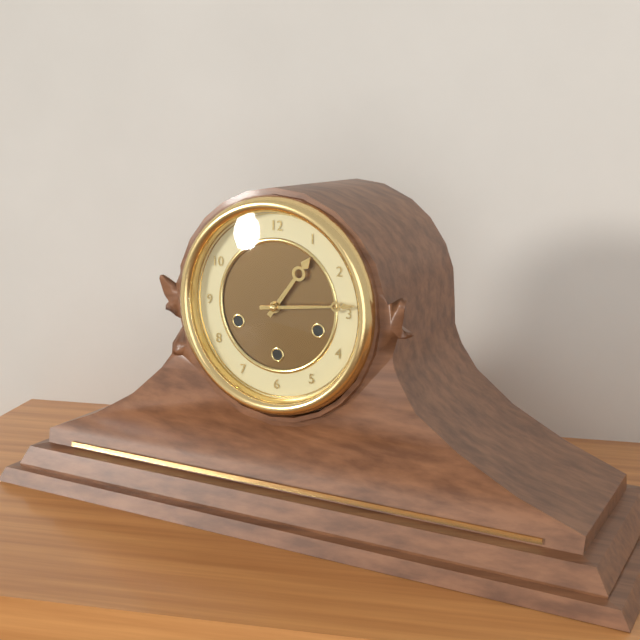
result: h=1 m=14
